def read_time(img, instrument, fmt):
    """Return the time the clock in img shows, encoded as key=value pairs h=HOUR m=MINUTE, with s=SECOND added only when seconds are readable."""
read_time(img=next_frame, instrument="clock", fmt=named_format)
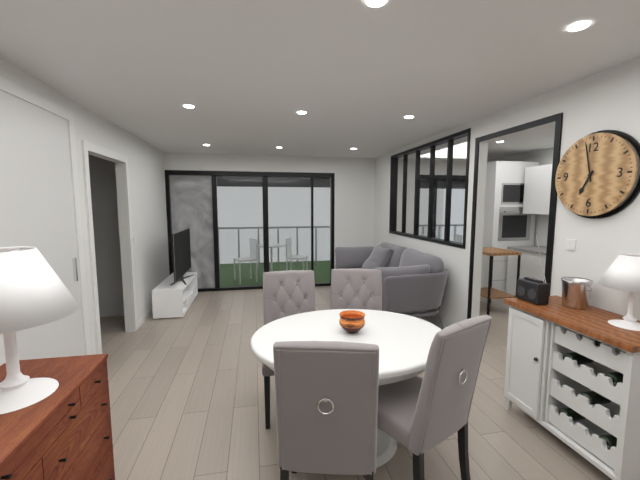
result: h=6 m=58
